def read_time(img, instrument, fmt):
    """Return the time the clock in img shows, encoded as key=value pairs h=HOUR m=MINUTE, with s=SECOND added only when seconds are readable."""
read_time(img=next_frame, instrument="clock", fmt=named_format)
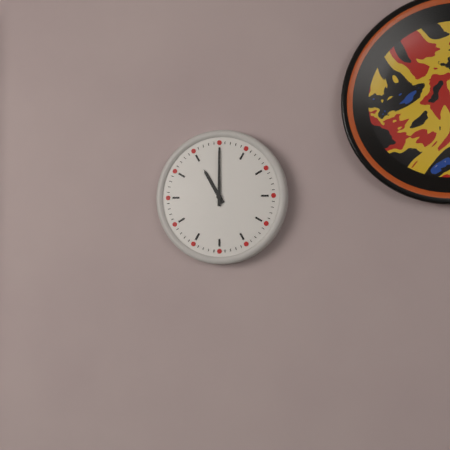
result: h=11 m=0
